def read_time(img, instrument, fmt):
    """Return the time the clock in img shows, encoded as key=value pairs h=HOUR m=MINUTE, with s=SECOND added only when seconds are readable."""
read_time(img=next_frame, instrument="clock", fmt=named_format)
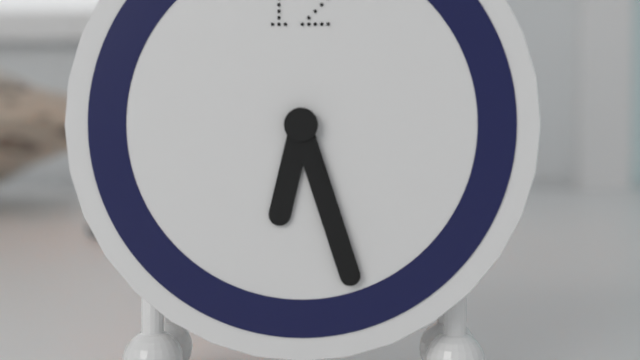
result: h=6 m=27 s=26
